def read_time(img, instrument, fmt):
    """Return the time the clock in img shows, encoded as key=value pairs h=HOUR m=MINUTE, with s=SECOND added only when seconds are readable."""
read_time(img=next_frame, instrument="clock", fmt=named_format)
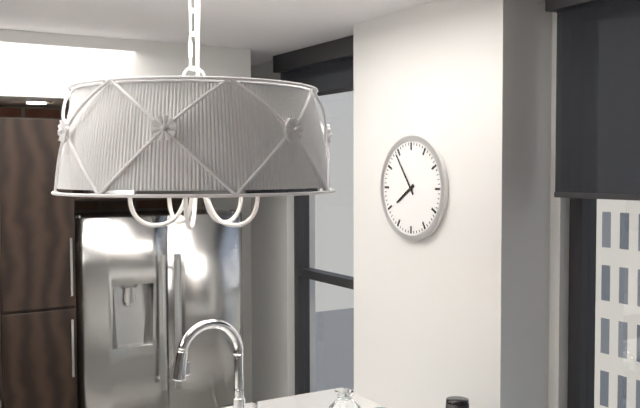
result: h=7 m=54
